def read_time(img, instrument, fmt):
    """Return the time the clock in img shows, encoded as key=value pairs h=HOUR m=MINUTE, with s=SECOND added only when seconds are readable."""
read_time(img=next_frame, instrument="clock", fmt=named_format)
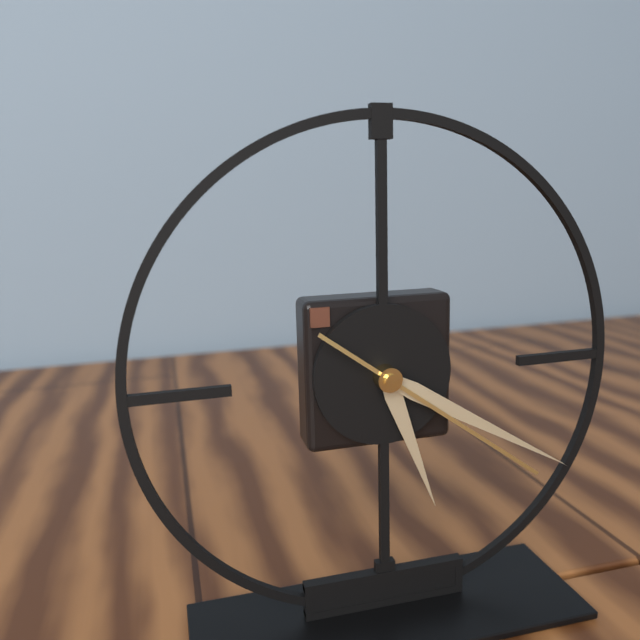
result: h=5 m=20 s=21
